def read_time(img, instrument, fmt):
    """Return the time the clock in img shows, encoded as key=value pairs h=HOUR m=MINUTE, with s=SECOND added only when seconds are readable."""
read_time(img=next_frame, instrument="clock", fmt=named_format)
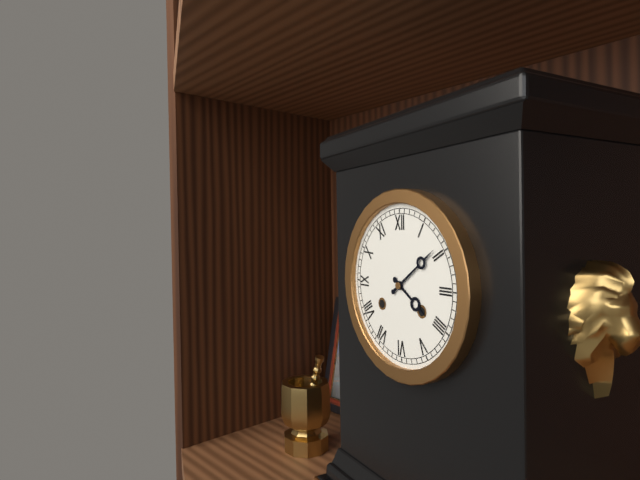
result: h=4 m=9
